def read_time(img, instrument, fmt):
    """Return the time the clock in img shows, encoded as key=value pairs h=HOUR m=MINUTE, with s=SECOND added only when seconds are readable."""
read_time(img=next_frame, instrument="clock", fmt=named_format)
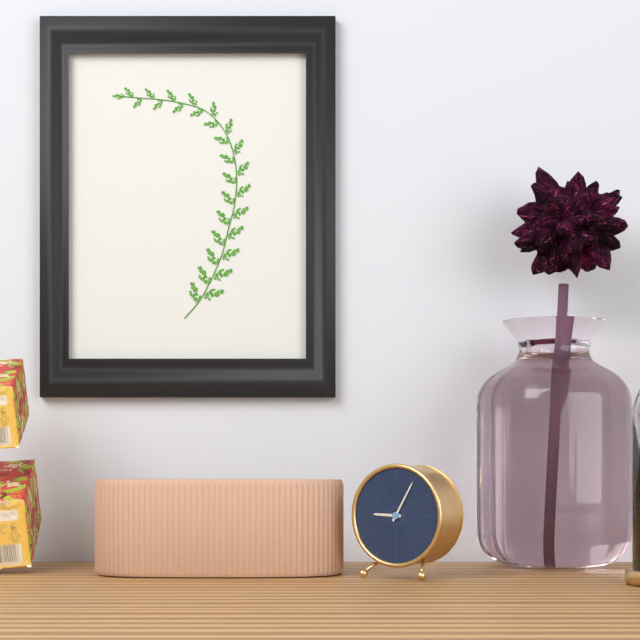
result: h=9 m=5
